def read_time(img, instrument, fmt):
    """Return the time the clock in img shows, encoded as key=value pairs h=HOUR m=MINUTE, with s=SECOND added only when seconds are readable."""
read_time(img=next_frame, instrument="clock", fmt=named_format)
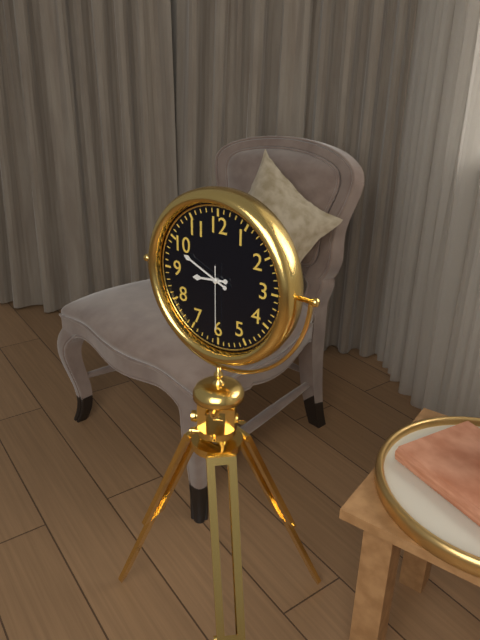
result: h=8 m=49 s=30
